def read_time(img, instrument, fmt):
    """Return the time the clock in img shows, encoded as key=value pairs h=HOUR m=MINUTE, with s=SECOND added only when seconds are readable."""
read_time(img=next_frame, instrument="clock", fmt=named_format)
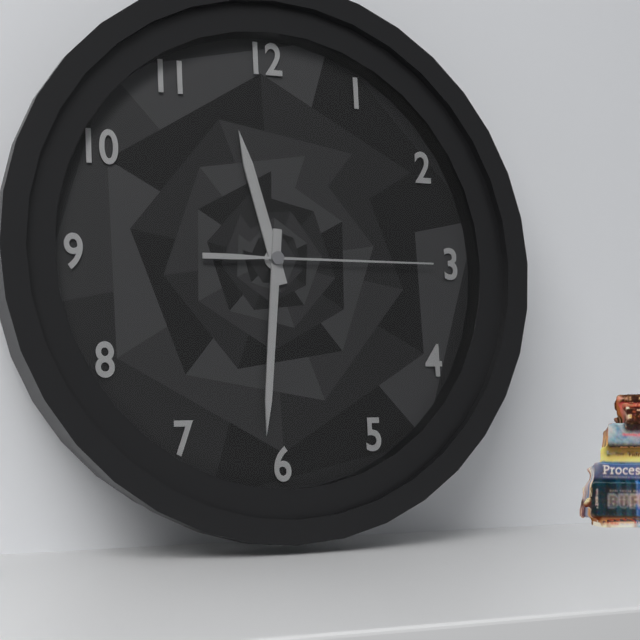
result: h=11 m=31 s=15
